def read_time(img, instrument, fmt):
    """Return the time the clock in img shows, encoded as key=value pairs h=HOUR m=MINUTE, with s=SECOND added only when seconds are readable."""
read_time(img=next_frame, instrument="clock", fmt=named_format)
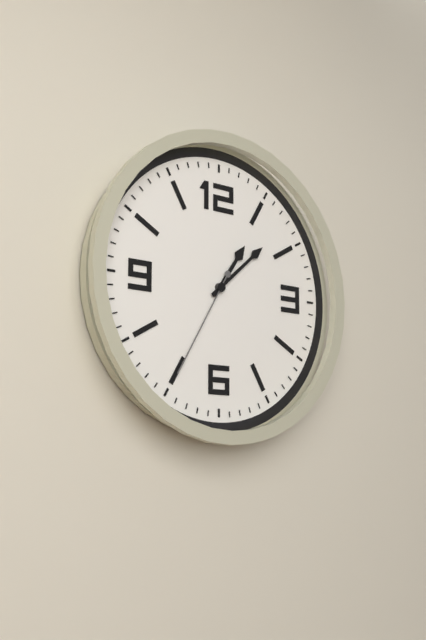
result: h=1 m=8 s=35
